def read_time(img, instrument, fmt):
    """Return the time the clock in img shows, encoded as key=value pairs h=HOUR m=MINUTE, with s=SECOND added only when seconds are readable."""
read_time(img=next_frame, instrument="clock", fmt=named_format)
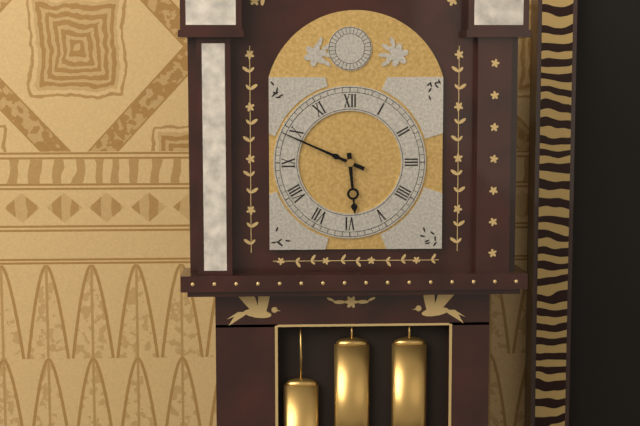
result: h=5 m=49
